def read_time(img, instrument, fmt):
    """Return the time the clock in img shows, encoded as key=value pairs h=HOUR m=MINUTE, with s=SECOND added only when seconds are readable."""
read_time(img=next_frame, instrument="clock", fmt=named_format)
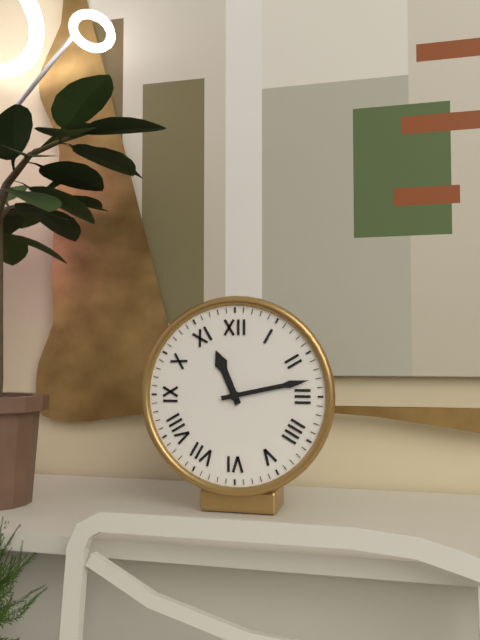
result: h=11 m=13
